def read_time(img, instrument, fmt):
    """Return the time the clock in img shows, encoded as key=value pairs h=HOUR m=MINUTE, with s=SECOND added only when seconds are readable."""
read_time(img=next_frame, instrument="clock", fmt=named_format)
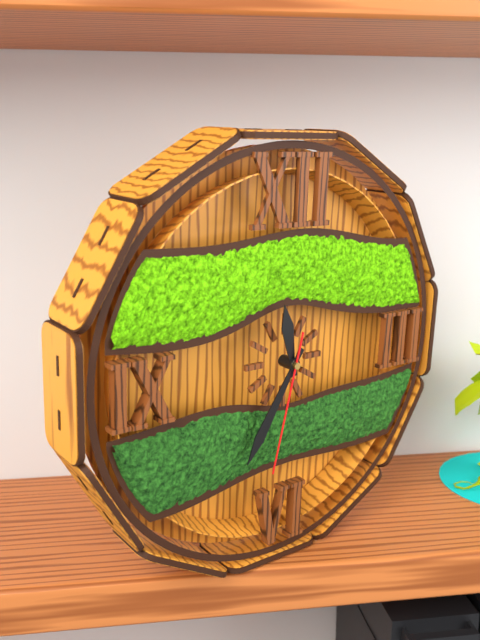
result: h=11 m=35 s=32
